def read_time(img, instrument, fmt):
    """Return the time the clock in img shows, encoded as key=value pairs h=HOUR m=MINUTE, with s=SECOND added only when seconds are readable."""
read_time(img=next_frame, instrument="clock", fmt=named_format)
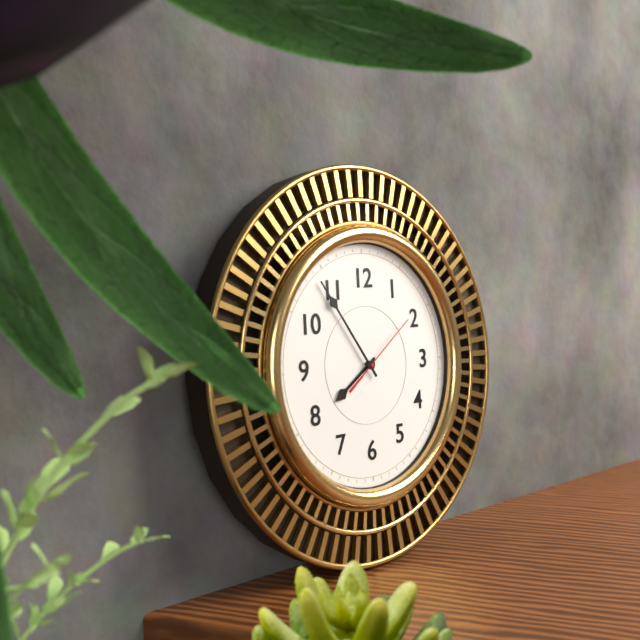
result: h=7 m=54 s=9
